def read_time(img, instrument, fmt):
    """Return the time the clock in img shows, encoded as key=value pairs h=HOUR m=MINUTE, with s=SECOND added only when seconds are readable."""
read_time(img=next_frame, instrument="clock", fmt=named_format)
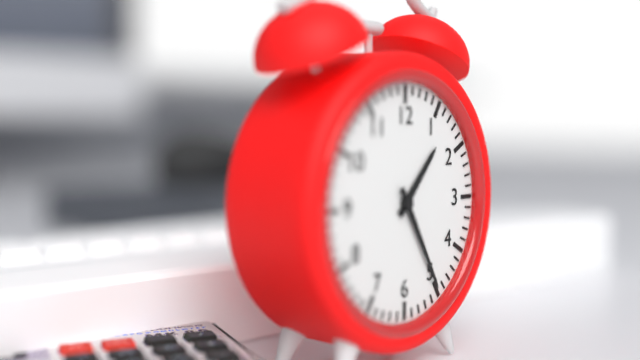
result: h=1 m=25
